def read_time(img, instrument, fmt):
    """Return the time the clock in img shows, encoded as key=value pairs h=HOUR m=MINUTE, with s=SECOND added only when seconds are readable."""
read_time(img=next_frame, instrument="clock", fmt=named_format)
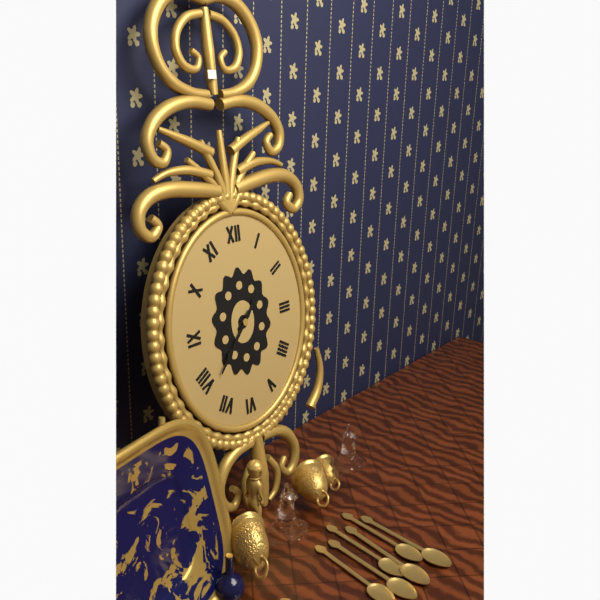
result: h=1 m=37
